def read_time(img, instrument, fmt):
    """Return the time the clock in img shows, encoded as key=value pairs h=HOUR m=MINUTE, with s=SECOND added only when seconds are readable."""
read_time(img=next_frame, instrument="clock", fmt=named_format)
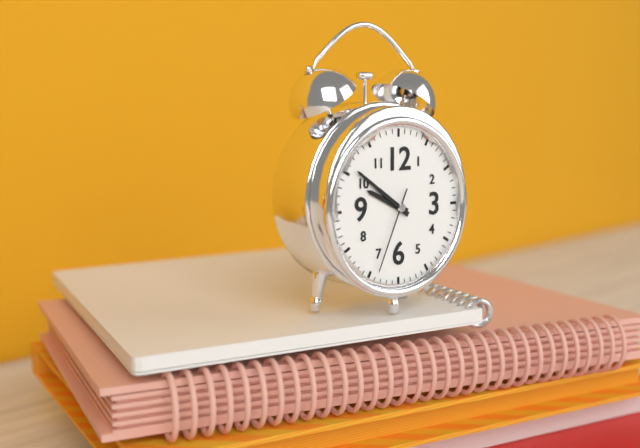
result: h=9 m=51 s=34
